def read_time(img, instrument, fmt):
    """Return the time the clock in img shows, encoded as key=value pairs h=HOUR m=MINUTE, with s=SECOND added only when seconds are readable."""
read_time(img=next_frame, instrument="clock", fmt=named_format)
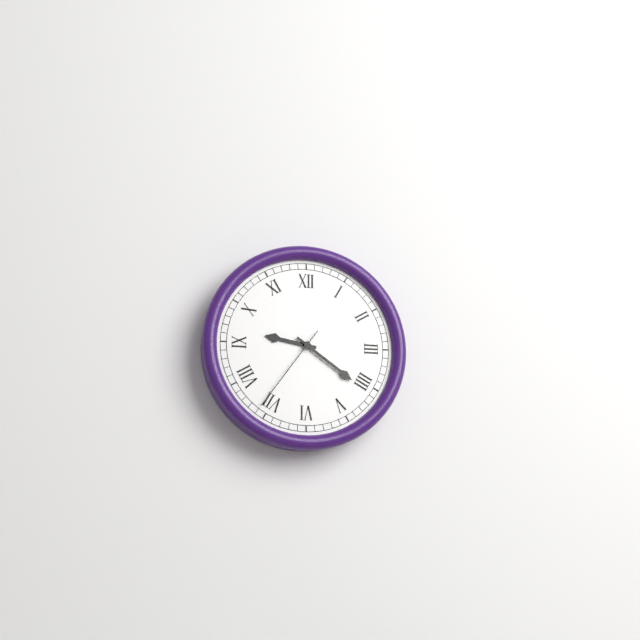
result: h=9 m=21 s=36
